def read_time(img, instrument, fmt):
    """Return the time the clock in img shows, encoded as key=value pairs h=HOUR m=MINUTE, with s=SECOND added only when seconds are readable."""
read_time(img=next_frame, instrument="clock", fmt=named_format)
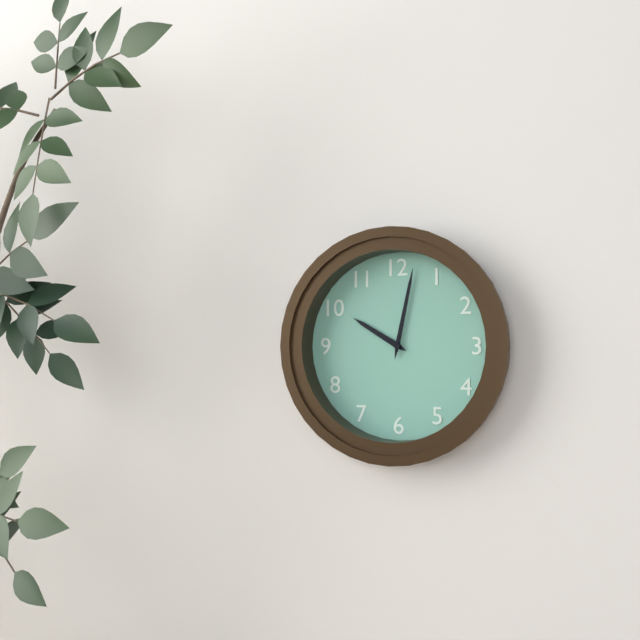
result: h=10 m=2
